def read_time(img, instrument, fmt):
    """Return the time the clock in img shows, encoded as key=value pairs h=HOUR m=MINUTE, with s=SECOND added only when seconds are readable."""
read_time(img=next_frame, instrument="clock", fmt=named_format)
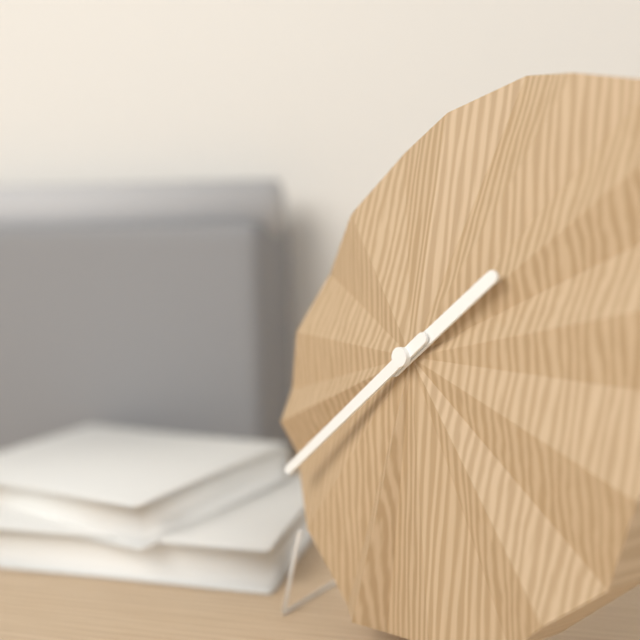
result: h=1 m=38
